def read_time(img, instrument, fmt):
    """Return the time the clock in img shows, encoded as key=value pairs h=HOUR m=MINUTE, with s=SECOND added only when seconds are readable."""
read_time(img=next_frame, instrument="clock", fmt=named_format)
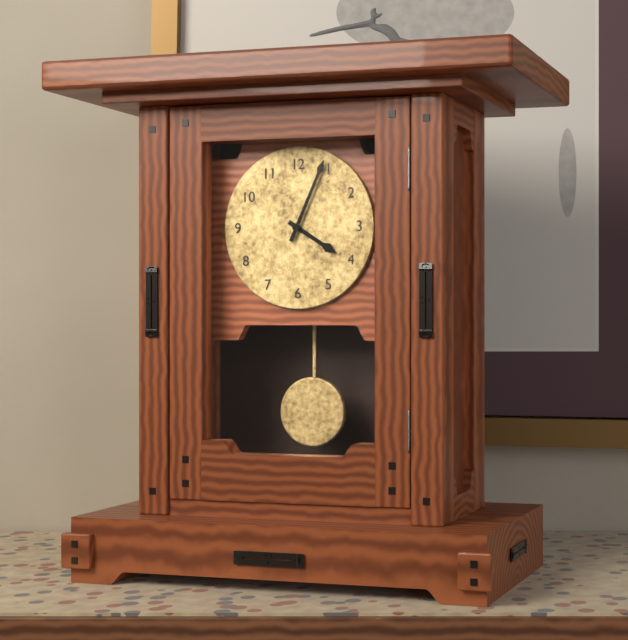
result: h=4 m=4
